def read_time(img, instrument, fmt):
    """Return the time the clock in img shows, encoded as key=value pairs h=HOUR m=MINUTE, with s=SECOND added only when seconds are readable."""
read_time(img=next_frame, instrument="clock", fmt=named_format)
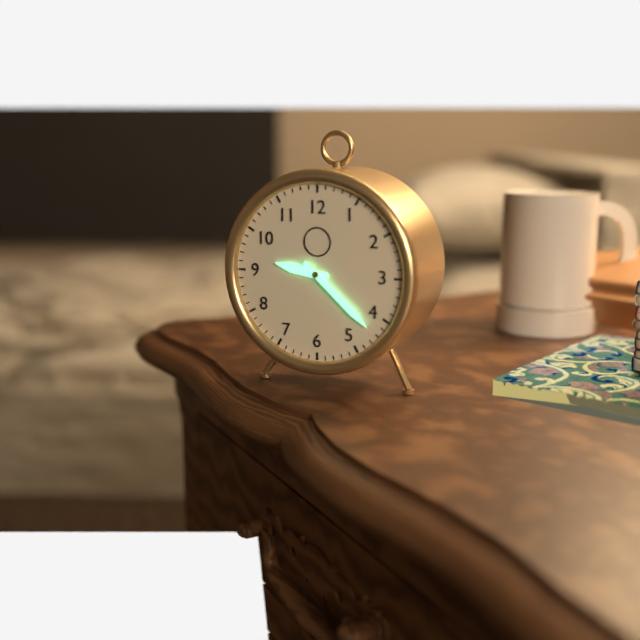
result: h=9 m=22
